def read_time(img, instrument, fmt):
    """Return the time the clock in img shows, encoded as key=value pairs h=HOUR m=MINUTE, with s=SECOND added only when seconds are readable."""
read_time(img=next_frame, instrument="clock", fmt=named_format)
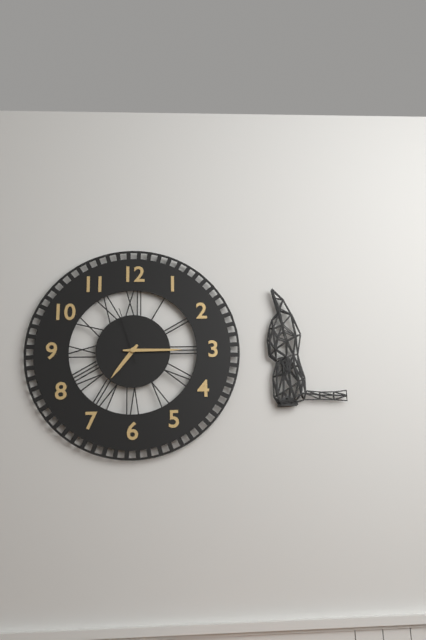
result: h=7 m=15 s=57
